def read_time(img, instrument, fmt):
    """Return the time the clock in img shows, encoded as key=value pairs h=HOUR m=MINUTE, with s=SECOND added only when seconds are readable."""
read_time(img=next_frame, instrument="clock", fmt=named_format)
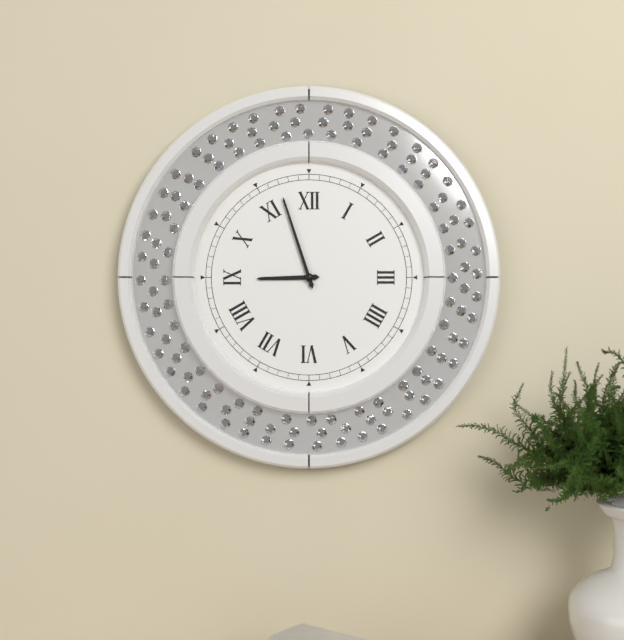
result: h=8 m=57
